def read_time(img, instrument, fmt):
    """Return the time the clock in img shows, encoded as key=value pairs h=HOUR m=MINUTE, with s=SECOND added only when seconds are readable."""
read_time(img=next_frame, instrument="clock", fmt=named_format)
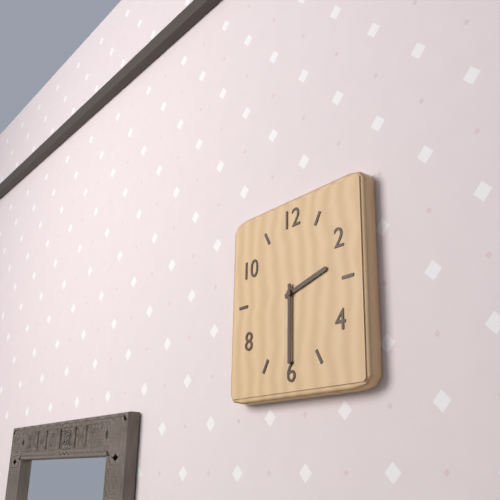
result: h=2 m=30
